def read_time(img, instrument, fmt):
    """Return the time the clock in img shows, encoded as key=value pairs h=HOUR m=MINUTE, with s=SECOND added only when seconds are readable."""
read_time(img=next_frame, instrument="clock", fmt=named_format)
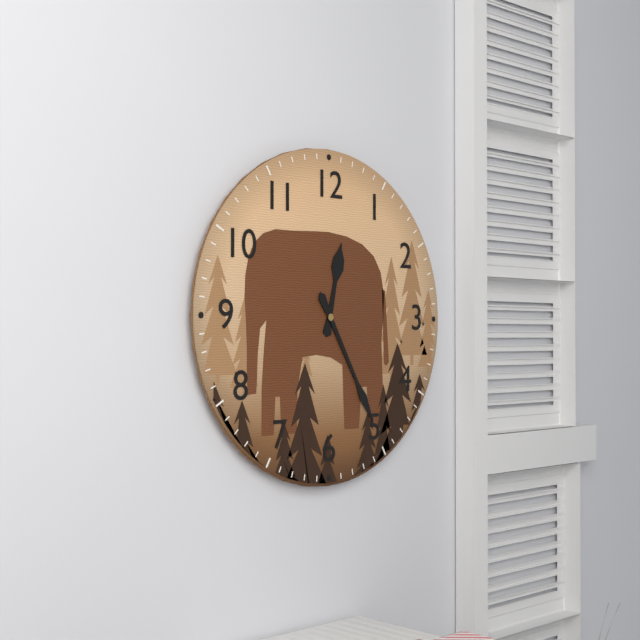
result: h=12 m=25
